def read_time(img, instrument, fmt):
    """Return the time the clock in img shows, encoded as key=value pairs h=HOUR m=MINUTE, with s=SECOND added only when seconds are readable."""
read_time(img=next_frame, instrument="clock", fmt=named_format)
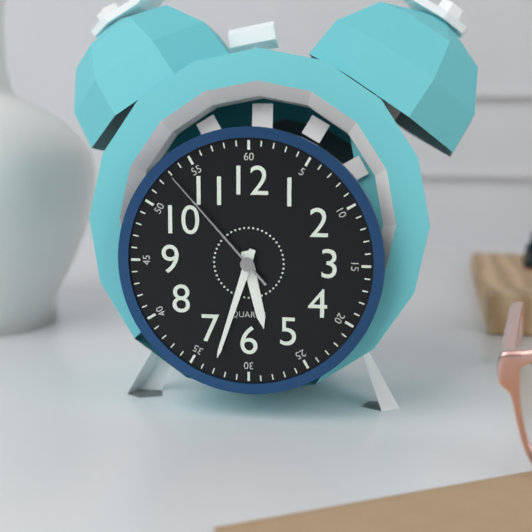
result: h=5 m=33 s=53
